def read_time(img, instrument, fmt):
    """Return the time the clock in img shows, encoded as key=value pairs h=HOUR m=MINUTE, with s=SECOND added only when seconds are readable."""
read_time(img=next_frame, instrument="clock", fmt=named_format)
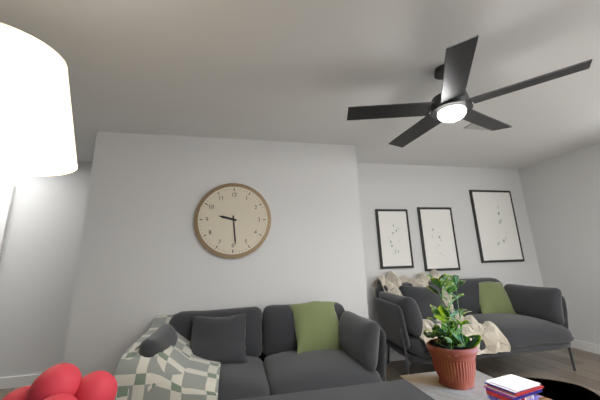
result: h=9 m=29
